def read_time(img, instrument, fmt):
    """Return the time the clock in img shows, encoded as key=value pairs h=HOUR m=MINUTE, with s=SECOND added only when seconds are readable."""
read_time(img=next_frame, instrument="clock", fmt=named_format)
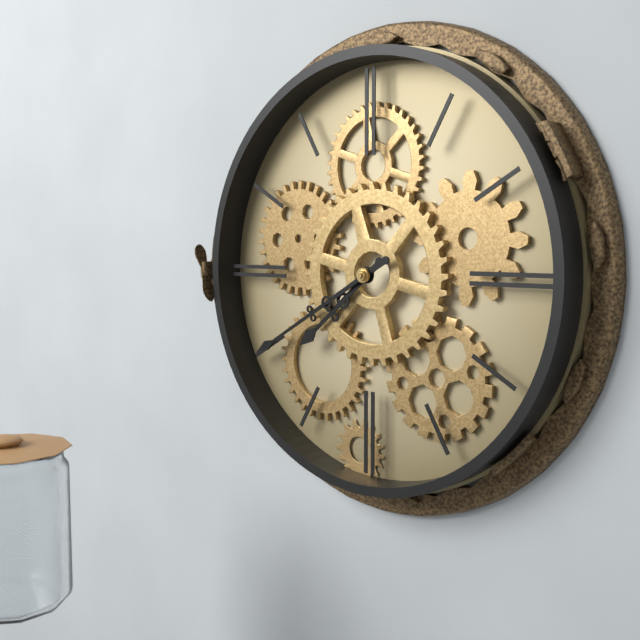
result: h=7 m=40
